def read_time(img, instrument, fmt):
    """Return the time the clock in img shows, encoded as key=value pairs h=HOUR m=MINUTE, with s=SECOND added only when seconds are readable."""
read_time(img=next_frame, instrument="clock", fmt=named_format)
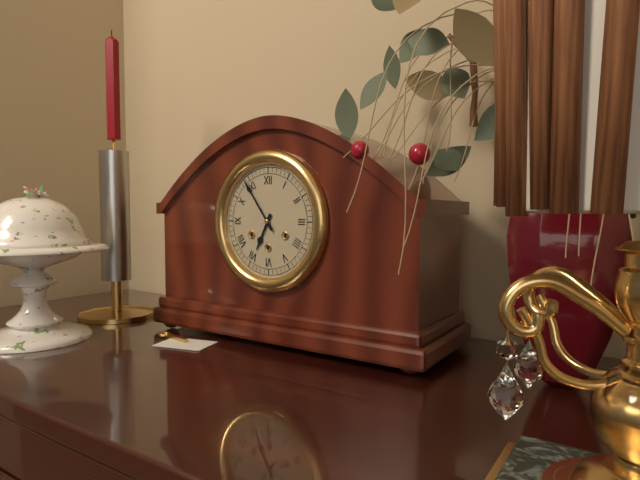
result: h=6 m=54
